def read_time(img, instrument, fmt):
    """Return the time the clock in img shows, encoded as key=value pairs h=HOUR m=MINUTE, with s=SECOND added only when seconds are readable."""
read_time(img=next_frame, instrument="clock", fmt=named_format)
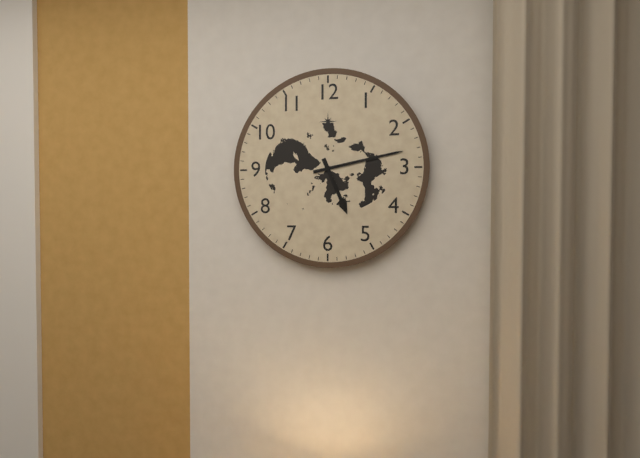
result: h=5 m=13
